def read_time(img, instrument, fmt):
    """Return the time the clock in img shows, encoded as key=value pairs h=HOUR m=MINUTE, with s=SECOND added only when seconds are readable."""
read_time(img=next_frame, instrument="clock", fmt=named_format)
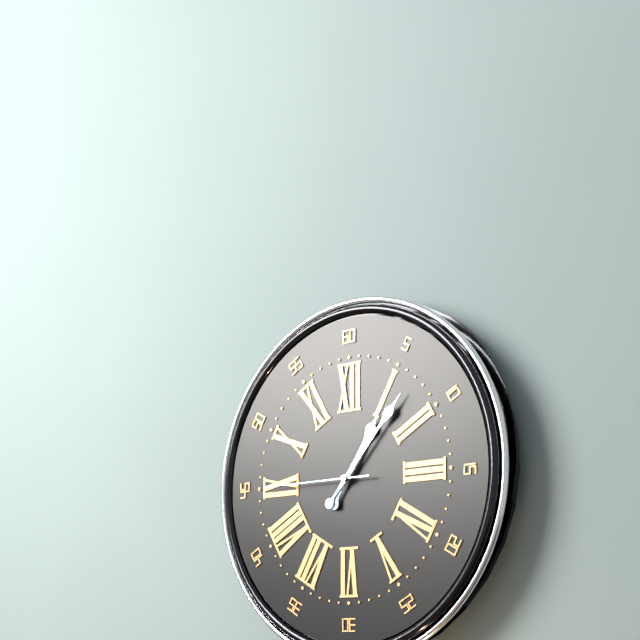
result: h=1 m=7 s=45
